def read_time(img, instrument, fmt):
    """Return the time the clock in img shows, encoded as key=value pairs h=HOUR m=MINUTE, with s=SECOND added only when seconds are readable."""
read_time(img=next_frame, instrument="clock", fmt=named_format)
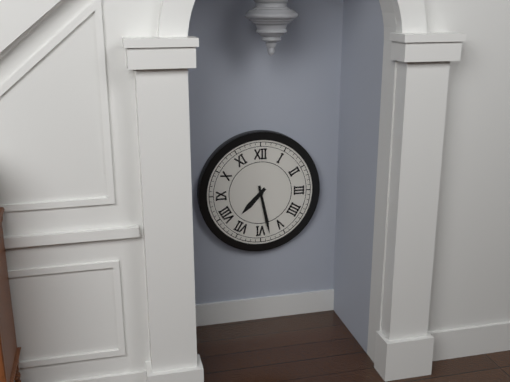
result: h=7 m=28
